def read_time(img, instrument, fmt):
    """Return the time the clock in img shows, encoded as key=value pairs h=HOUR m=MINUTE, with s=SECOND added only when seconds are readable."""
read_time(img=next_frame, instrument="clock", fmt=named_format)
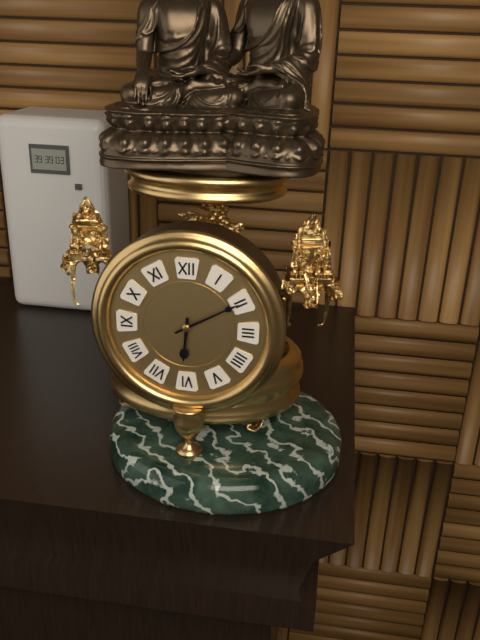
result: h=6 m=10
